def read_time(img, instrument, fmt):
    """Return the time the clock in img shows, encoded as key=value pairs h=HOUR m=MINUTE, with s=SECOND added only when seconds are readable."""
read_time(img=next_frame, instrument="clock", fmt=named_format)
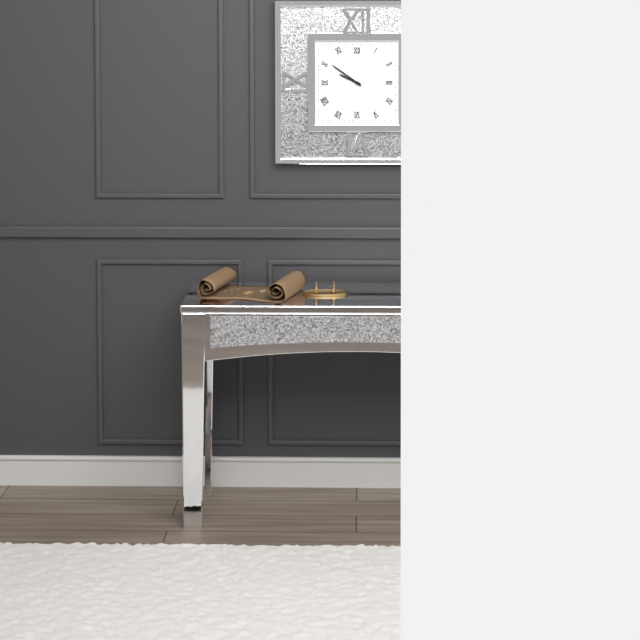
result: h=9 m=51
